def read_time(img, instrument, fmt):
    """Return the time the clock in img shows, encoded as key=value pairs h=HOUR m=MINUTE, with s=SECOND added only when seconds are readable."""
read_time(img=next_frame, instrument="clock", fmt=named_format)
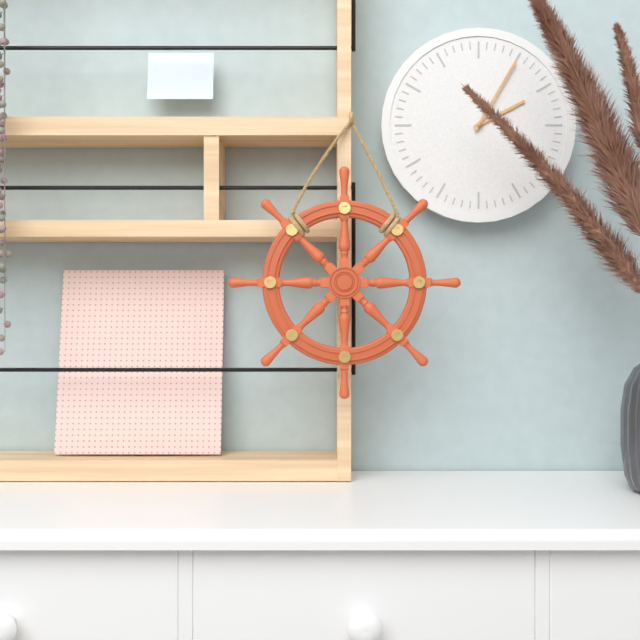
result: h=2 m=5
